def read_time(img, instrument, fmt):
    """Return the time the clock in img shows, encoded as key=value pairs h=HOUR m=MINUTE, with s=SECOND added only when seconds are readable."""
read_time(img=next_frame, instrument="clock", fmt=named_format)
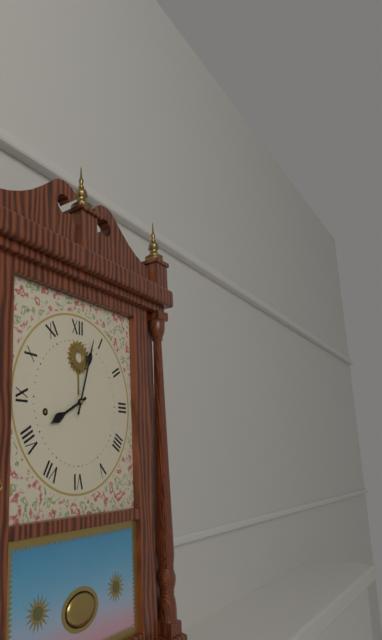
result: h=8 m=3
